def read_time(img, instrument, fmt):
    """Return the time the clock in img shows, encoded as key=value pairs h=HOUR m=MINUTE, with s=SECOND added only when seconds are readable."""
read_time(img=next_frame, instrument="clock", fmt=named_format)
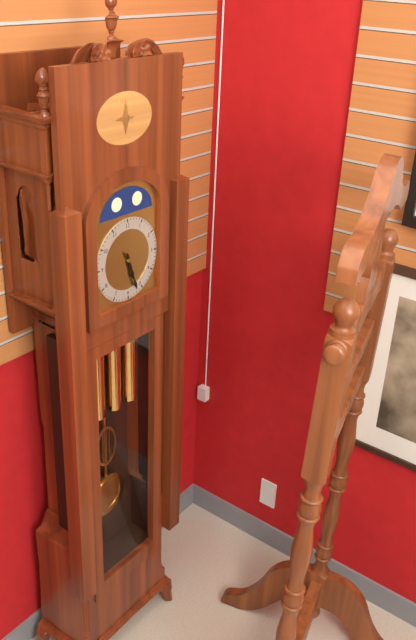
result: h=5 m=27
